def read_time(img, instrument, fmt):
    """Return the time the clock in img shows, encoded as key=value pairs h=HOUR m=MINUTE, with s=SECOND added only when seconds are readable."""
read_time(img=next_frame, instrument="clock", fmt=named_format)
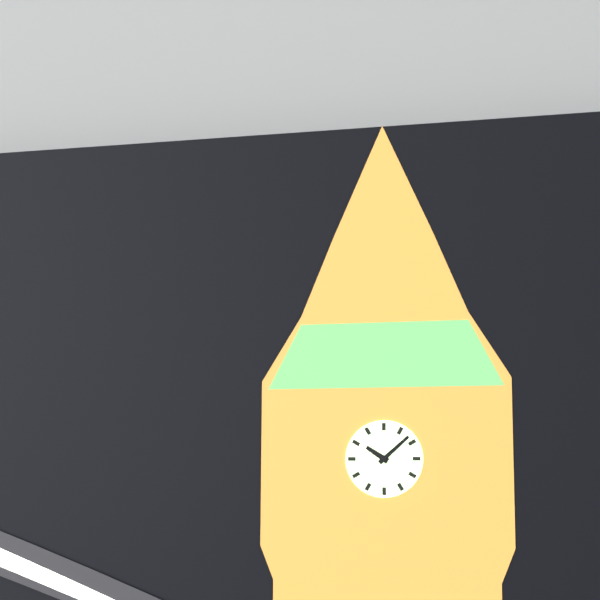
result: h=10 m=8
